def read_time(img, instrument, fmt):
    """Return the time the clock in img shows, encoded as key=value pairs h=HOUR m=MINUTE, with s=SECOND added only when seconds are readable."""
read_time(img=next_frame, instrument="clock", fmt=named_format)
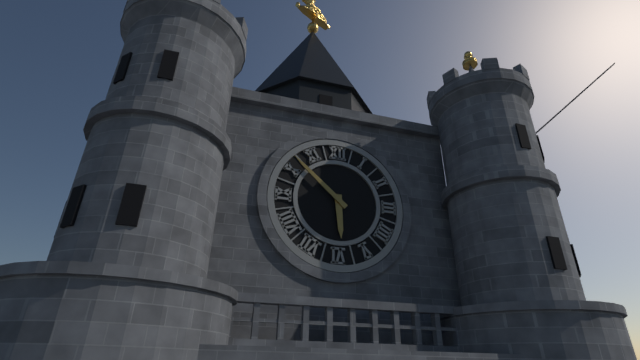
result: h=5 m=52
